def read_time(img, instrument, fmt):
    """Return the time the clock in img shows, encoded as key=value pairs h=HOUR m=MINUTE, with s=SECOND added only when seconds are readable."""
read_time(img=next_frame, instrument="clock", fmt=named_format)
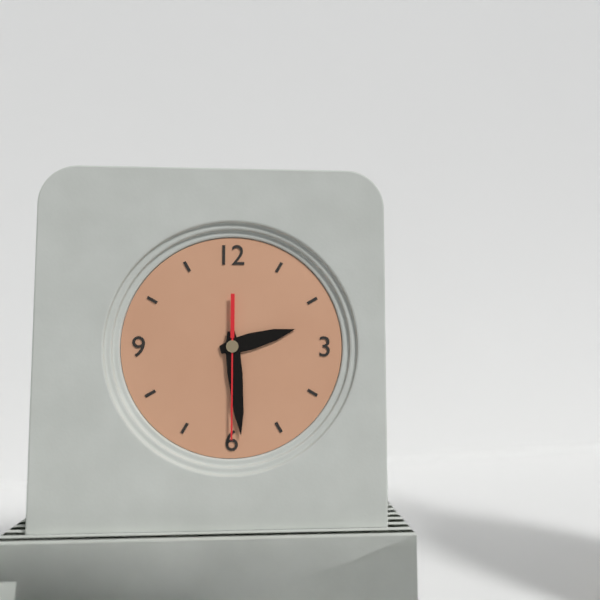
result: h=2 m=29 s=30
